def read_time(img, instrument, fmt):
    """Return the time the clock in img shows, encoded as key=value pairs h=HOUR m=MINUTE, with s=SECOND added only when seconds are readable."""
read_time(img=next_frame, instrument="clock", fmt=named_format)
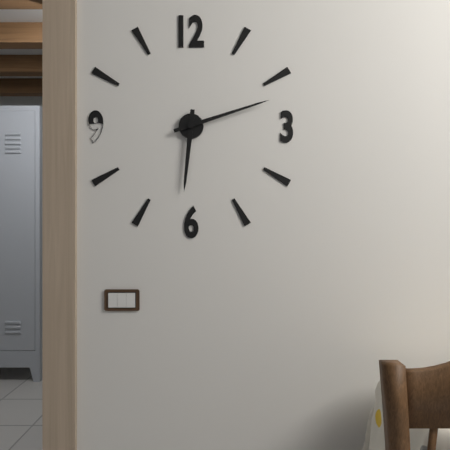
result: h=6 m=12
